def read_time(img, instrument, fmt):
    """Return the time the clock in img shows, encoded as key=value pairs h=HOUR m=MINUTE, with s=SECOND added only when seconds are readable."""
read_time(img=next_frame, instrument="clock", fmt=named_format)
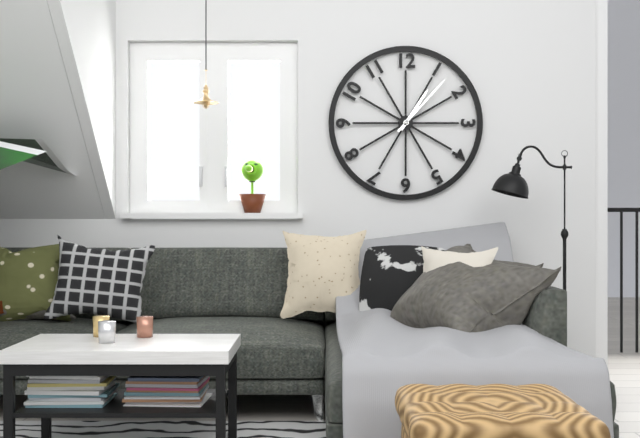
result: h=1 m=7
